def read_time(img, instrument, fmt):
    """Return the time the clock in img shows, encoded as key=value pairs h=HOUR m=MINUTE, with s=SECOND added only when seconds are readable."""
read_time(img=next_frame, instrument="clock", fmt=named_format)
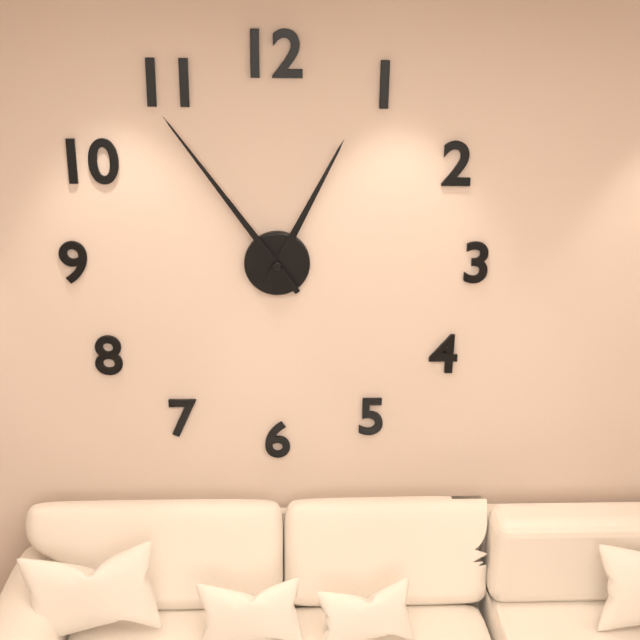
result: h=12 m=54
